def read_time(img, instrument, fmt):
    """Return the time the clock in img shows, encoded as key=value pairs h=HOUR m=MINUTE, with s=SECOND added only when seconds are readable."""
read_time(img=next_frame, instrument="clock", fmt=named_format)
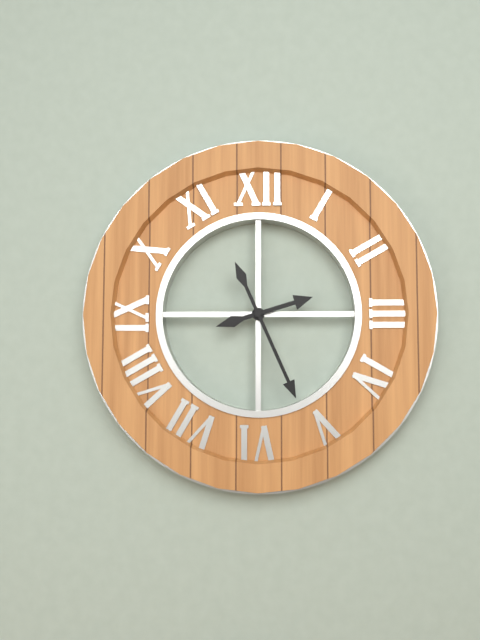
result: h=2 m=26
